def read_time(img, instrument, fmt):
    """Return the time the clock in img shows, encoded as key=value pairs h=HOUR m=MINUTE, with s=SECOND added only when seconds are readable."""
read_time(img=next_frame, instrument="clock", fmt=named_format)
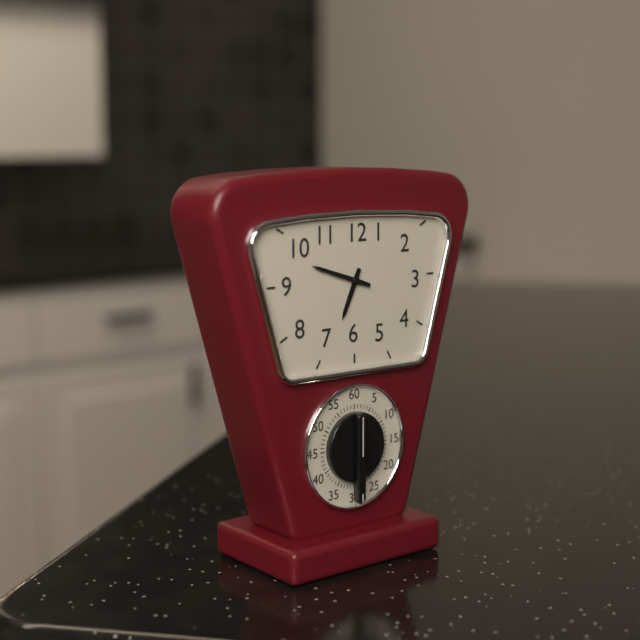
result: h=6 m=48
